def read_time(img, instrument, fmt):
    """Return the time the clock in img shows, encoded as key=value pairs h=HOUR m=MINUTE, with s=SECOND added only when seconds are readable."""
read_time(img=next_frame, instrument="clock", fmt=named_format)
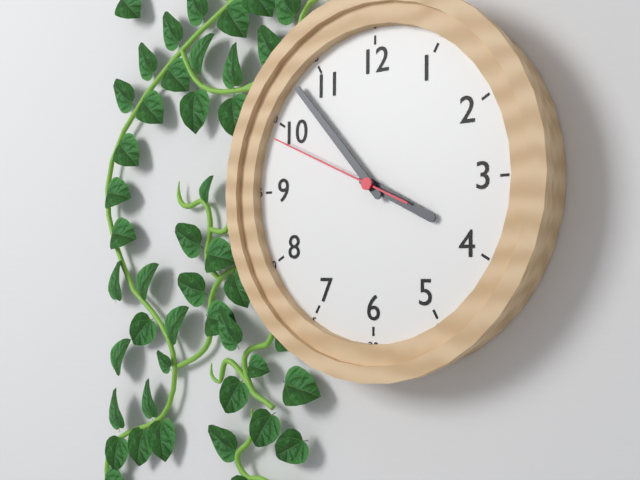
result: h=3 m=53 s=49
